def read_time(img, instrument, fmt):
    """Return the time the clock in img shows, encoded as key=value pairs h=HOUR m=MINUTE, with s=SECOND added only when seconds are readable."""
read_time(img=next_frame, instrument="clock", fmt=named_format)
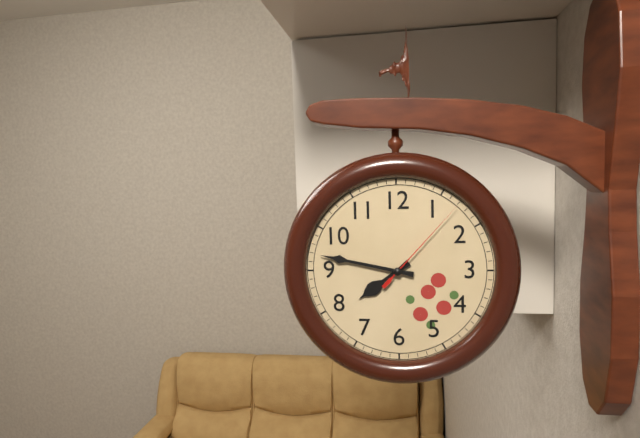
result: h=7 m=47 s=7
